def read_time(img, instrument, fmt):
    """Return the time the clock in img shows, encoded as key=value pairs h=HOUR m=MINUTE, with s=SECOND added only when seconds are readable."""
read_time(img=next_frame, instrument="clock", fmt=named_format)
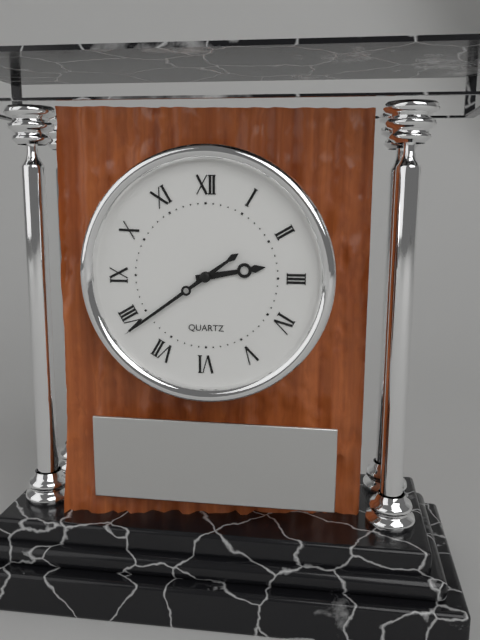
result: h=2 m=39
